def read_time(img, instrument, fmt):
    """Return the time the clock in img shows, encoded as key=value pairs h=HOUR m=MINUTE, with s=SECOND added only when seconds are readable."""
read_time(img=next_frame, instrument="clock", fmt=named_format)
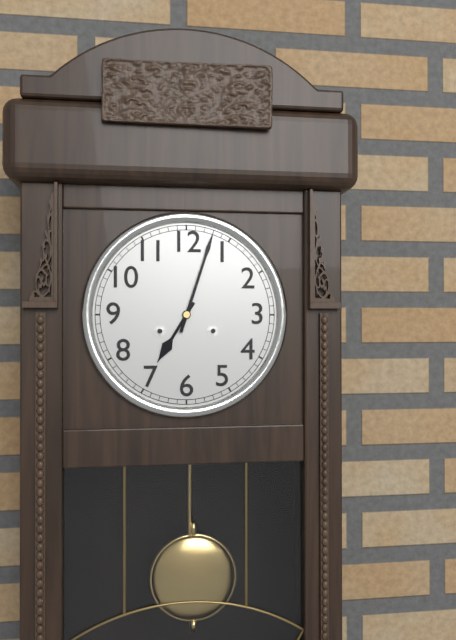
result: h=7 m=3
